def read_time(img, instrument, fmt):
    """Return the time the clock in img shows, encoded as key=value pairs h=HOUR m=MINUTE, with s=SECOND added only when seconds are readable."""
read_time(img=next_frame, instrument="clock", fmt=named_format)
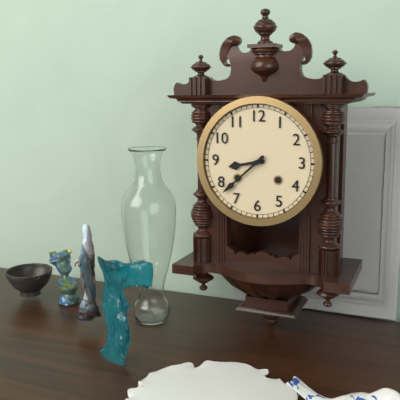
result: h=8 m=38
